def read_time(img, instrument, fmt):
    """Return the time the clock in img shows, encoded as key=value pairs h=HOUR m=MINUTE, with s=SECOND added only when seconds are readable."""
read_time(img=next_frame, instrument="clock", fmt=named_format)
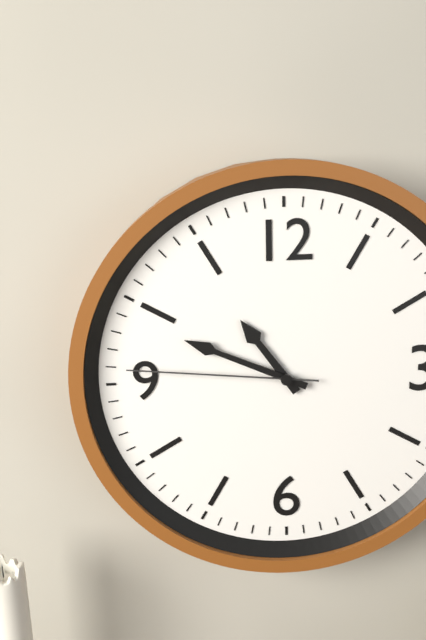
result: h=10 m=49 s=46
